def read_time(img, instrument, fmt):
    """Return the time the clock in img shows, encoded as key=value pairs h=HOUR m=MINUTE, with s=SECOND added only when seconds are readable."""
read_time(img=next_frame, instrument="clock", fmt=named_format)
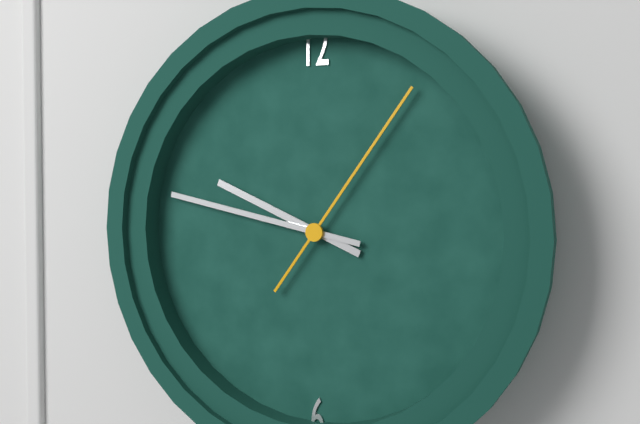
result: h=9 m=47 s=6
